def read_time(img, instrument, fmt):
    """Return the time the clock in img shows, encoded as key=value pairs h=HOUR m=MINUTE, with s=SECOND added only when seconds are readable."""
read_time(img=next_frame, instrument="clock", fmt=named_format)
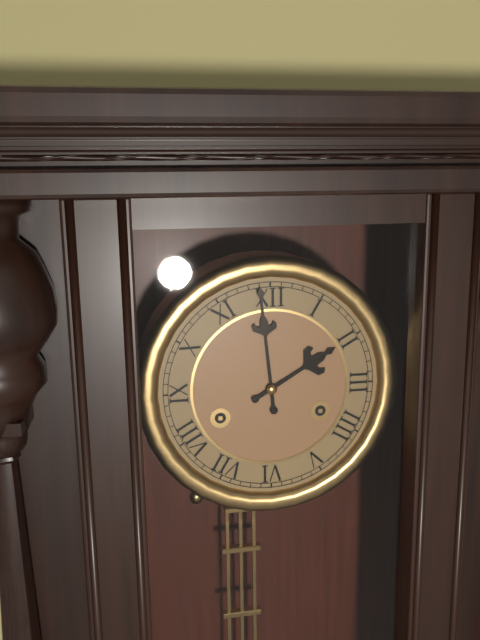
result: h=1 m=59
